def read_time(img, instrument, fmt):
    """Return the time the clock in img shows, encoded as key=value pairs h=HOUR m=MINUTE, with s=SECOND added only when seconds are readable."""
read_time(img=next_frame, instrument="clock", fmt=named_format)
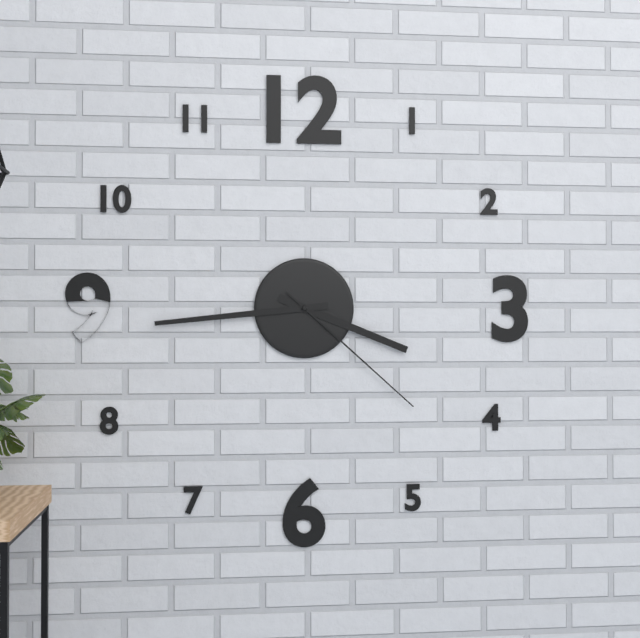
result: h=3 m=44 s=22
